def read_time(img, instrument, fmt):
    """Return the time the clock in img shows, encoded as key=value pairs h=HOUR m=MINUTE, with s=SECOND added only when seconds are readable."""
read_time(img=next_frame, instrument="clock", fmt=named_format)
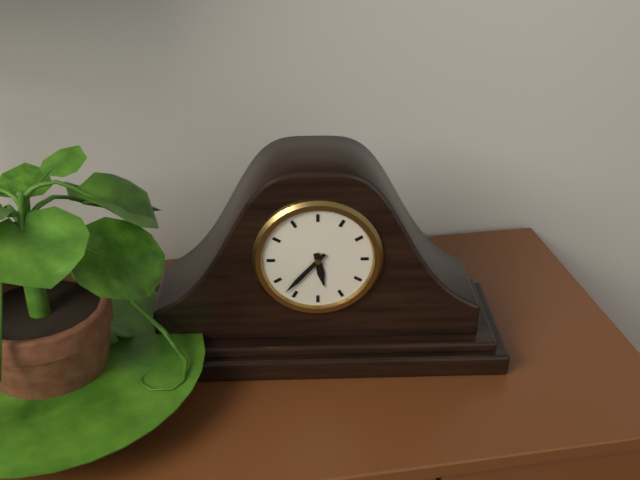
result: h=5 m=37
